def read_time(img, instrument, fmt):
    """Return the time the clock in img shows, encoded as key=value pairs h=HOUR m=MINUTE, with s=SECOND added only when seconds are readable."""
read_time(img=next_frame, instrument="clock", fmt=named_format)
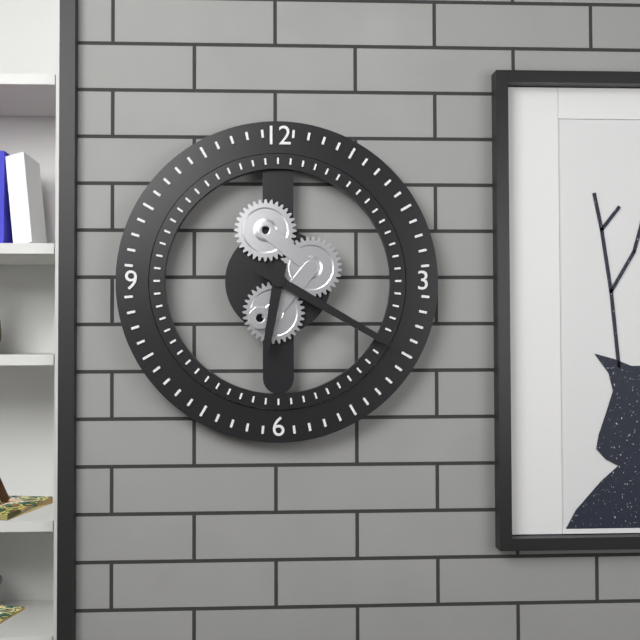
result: h=6 m=20
